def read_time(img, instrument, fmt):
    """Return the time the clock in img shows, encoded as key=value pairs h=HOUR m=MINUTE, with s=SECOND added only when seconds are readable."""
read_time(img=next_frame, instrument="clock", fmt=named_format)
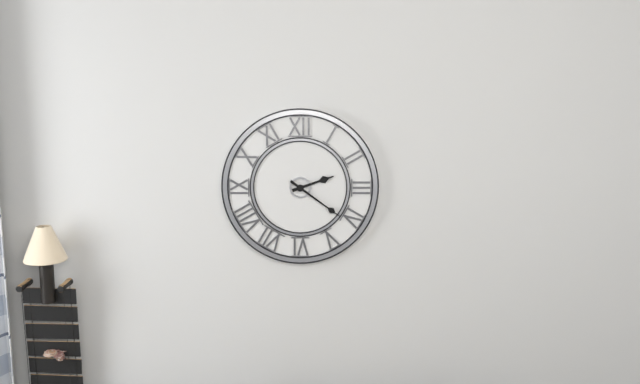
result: h=2 m=21
